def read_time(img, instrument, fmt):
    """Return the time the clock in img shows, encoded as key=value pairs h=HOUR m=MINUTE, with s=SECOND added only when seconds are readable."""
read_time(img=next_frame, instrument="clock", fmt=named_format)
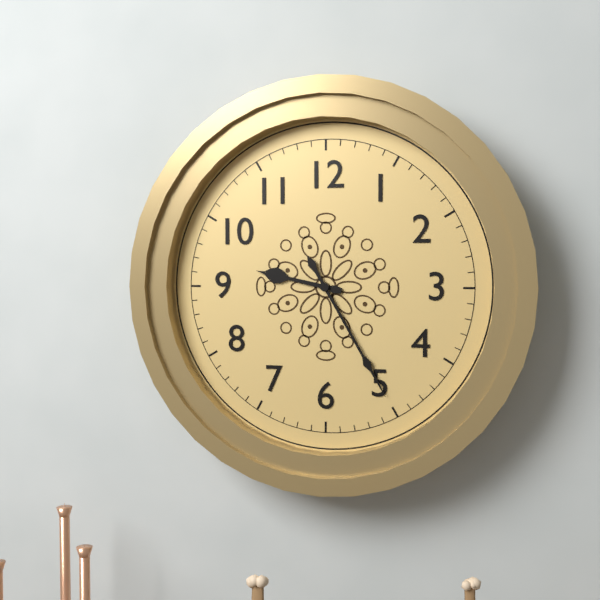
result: h=9 m=25
